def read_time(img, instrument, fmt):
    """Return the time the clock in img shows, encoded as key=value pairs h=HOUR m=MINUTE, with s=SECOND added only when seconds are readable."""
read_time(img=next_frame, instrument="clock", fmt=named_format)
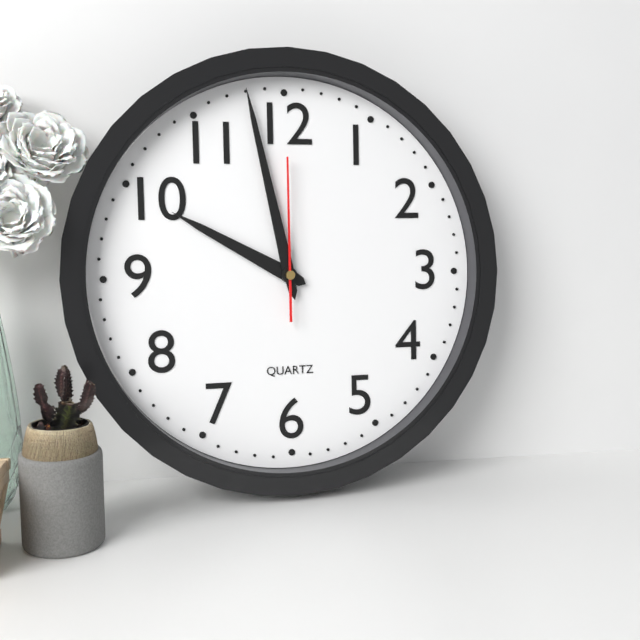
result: h=9 m=58 s=0
